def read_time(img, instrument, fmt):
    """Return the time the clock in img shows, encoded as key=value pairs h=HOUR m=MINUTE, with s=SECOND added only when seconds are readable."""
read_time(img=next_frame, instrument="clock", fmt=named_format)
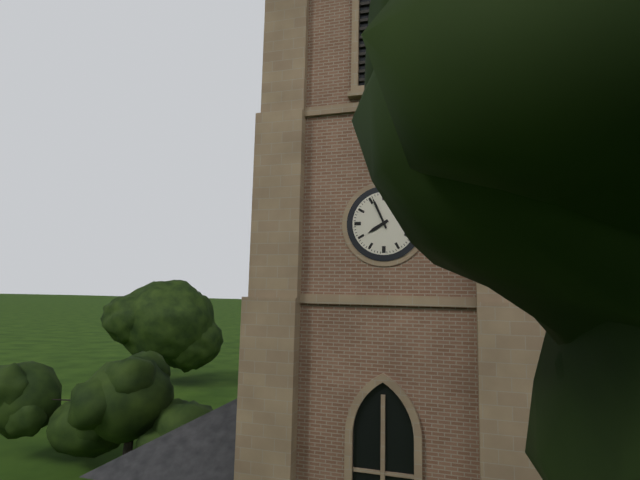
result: h=7 m=56
